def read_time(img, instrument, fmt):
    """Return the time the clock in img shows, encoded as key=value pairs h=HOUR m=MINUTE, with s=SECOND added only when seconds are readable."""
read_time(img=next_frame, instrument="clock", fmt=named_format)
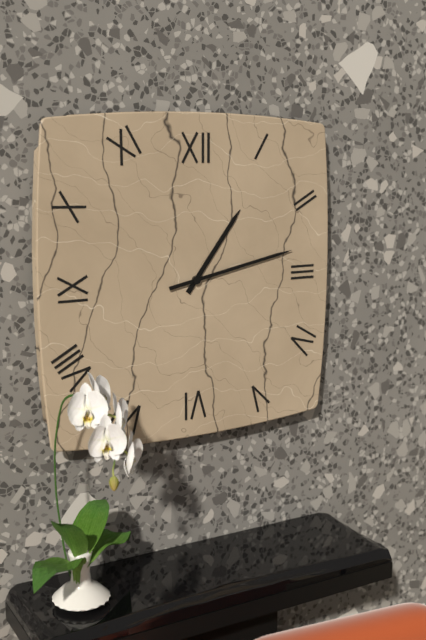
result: h=1 m=13
